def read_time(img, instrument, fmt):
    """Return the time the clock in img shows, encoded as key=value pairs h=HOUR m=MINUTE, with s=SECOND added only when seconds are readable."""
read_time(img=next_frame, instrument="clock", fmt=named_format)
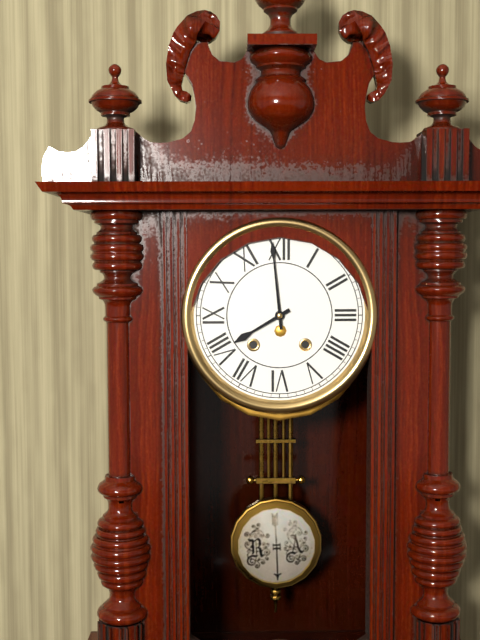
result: h=7 m=59
